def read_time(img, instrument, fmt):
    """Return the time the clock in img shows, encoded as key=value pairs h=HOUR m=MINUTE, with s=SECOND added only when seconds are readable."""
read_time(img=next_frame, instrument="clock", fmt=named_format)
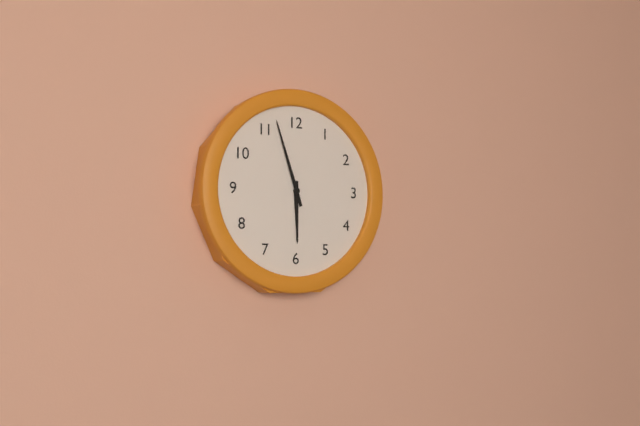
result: h=5 m=57
